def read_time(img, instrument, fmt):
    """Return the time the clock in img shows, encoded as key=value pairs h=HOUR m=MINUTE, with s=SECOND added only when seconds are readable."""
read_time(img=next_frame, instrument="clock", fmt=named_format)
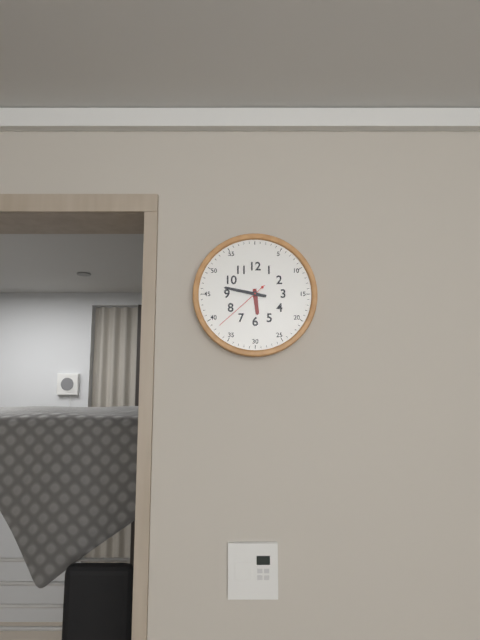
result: h=5 m=47 s=38
